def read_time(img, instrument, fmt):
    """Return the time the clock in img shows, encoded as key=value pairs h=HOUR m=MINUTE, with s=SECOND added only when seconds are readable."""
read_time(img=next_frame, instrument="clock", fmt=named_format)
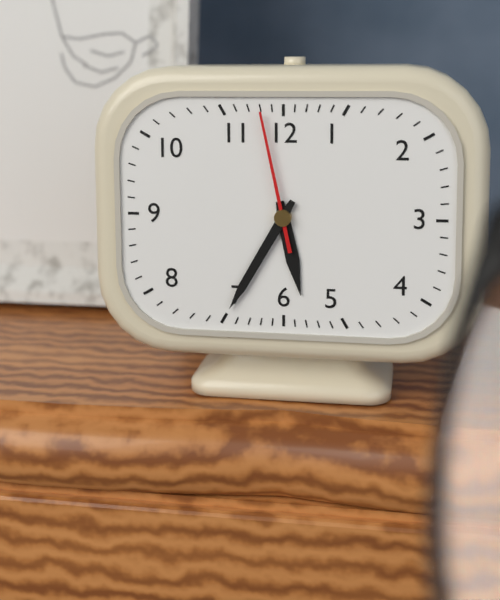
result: h=5 m=35 s=58
